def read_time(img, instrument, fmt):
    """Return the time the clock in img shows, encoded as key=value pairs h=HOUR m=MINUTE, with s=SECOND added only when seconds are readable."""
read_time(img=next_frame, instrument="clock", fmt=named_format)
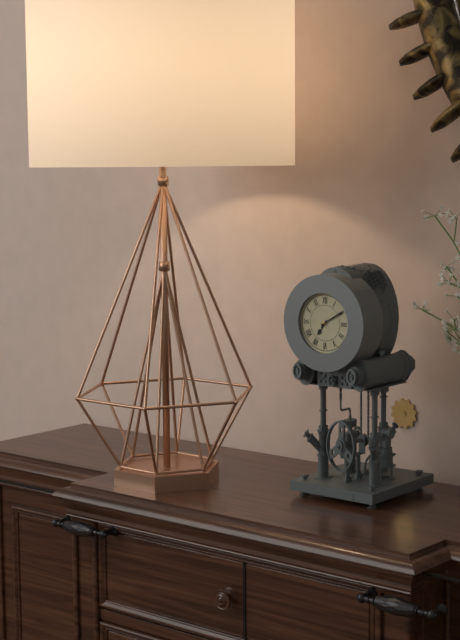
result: h=7 m=10
